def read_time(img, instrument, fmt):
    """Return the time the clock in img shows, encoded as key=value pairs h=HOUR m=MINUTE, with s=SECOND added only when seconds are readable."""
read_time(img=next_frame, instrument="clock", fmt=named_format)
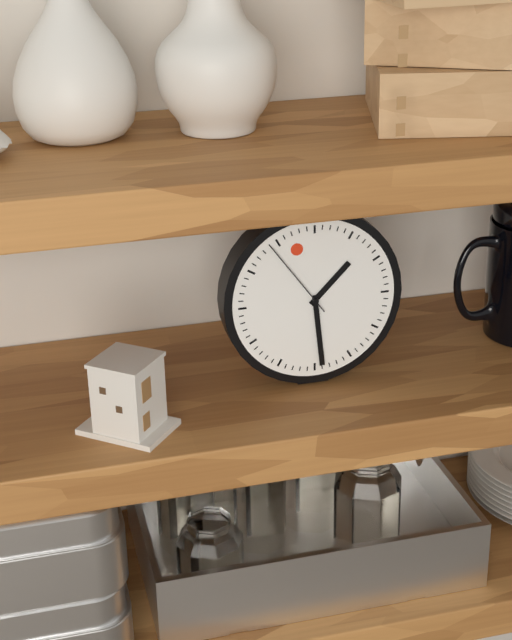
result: h=1 m=29 s=54
